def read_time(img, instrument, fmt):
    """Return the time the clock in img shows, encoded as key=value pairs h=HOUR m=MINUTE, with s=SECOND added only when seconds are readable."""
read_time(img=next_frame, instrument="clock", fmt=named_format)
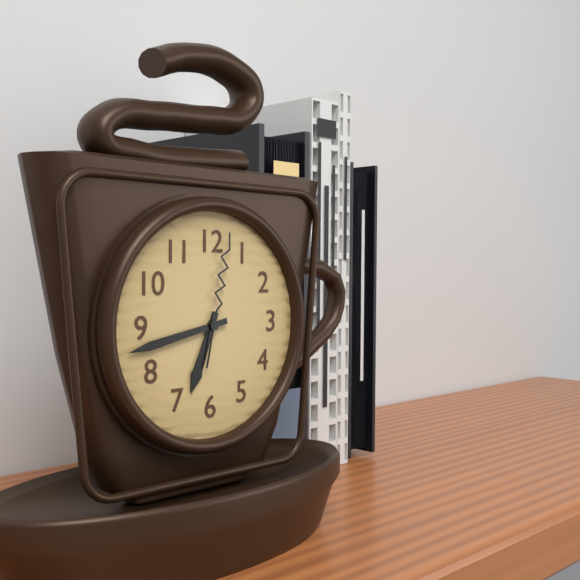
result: h=6 m=43 s=2
